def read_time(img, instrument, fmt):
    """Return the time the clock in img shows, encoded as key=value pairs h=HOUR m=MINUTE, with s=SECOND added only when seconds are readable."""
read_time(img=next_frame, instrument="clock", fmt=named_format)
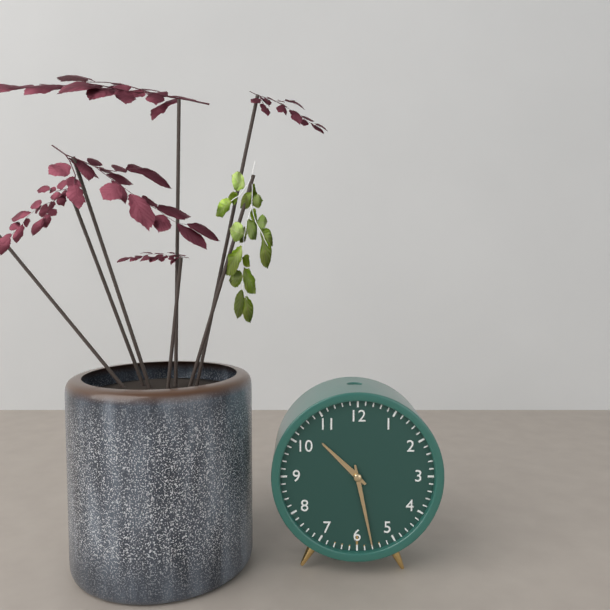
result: h=10 m=28
